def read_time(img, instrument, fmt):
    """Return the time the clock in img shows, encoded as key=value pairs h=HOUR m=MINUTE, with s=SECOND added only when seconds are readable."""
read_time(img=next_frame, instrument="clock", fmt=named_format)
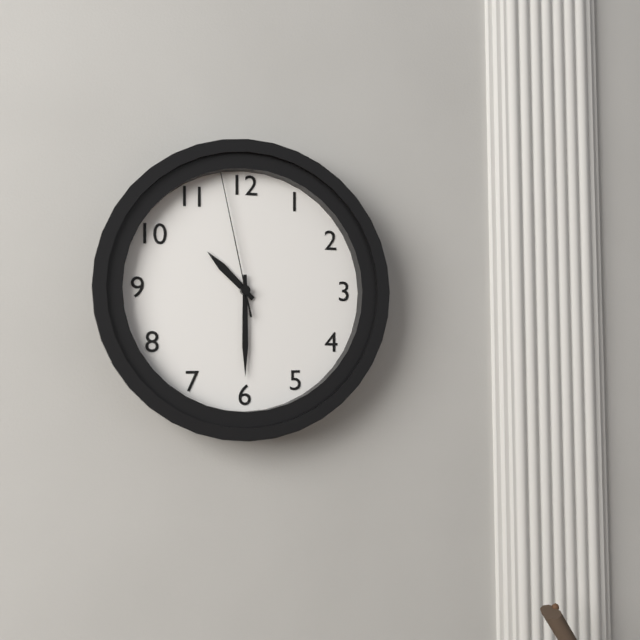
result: h=10 m=30 s=58
